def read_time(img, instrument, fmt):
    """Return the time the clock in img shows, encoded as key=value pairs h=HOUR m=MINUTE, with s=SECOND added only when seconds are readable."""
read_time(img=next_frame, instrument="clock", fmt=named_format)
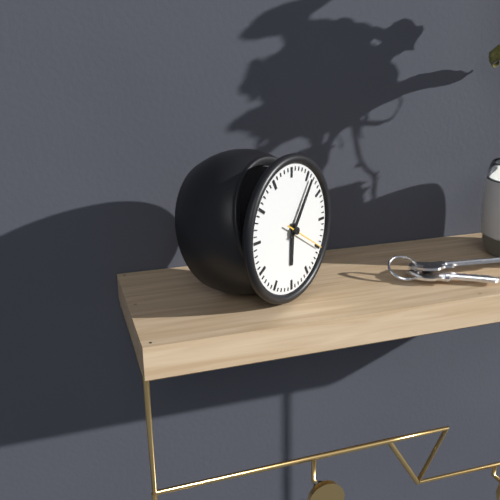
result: h=6 m=6
